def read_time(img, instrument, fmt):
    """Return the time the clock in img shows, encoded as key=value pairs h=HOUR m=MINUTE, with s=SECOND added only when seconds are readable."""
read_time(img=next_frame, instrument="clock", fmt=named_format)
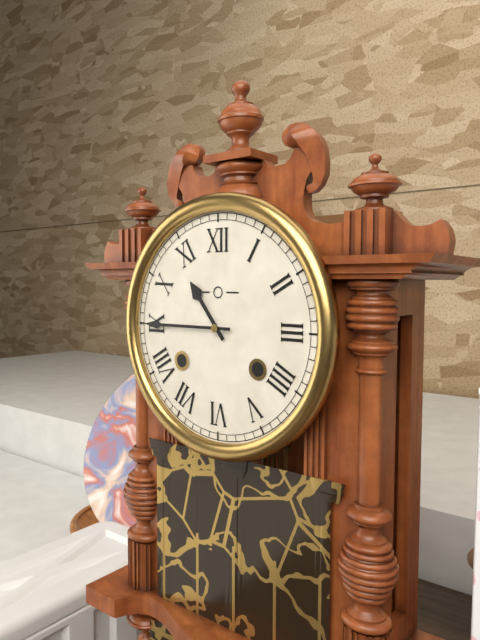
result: h=10 m=45
